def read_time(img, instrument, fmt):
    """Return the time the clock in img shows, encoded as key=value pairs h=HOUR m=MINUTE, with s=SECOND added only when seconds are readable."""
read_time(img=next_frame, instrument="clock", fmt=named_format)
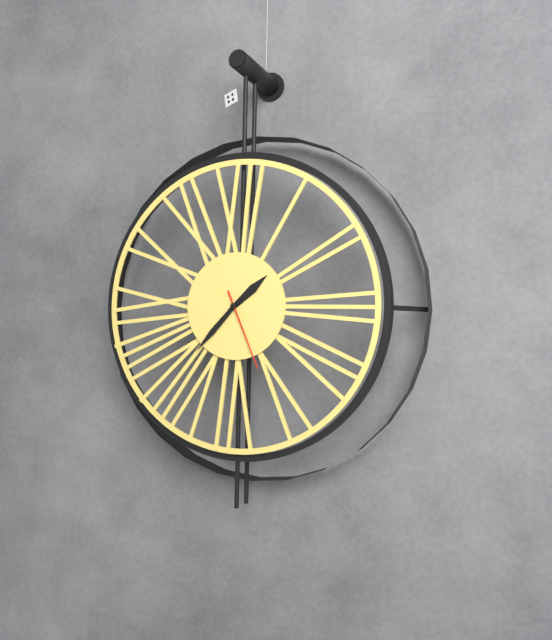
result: h=1 m=37 s=26
